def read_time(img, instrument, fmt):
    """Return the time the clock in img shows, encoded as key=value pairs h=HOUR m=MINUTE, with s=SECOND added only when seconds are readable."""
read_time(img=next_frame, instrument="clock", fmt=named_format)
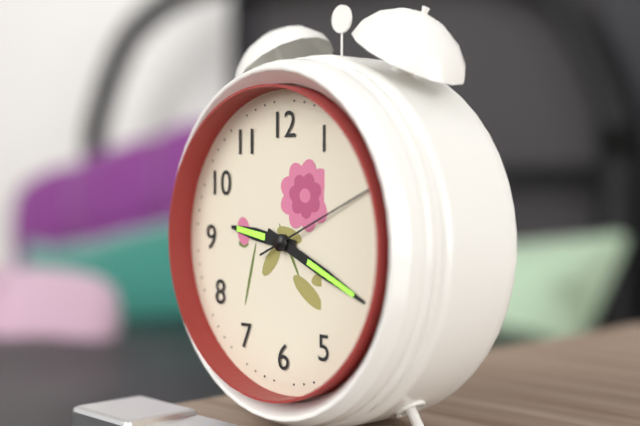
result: h=9 m=19 s=11
